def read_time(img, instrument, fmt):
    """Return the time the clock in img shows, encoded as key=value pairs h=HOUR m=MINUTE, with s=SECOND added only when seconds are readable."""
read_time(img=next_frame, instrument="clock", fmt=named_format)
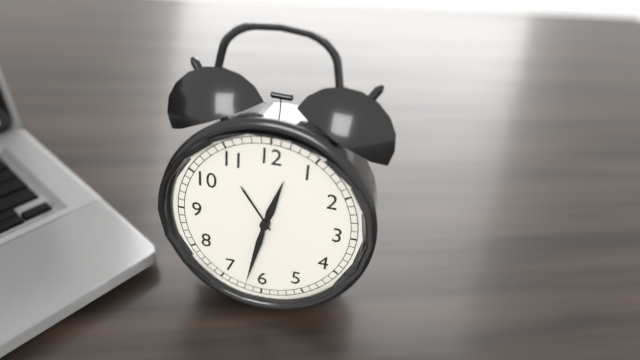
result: h=12 m=32
